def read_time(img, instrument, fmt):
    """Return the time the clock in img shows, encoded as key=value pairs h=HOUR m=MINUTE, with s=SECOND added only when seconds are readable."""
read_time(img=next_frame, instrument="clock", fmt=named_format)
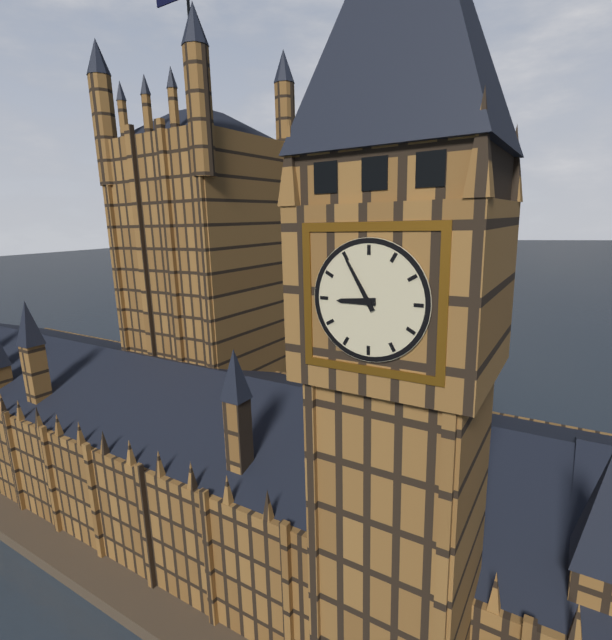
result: h=8 m=55
